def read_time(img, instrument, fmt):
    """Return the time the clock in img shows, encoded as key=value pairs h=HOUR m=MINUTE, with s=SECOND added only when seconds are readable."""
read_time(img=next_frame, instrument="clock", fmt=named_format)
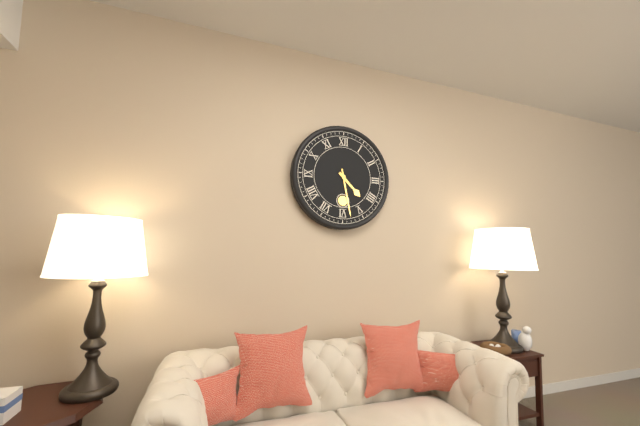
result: h=4 m=28
